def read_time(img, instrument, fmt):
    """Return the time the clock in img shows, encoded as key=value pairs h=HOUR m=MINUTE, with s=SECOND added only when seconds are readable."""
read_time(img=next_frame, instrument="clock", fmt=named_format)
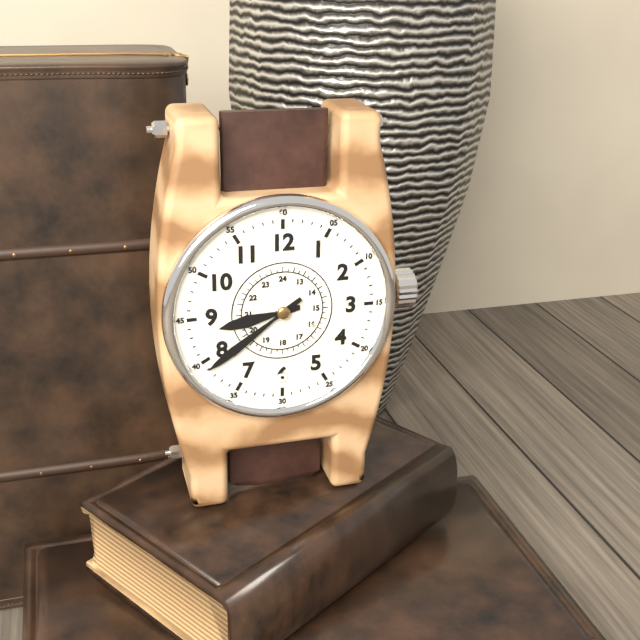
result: h=8 m=39
